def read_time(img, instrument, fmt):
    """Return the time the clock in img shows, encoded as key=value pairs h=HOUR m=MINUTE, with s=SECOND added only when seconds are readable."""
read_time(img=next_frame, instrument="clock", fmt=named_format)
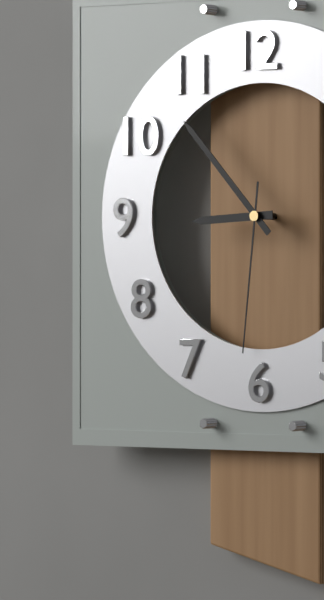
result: h=8 m=53 s=31
